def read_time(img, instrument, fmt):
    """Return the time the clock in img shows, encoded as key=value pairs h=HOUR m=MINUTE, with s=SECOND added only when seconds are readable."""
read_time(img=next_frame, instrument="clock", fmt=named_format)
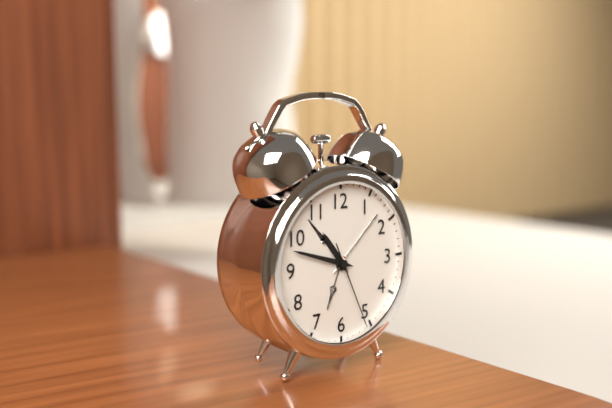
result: h=10 m=48 s=26
